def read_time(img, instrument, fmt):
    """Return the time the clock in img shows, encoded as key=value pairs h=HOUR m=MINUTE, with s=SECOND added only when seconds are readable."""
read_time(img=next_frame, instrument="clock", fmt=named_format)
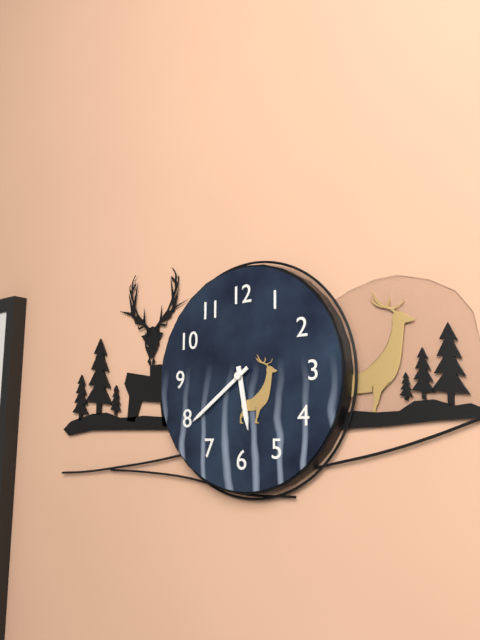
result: h=5 m=39
